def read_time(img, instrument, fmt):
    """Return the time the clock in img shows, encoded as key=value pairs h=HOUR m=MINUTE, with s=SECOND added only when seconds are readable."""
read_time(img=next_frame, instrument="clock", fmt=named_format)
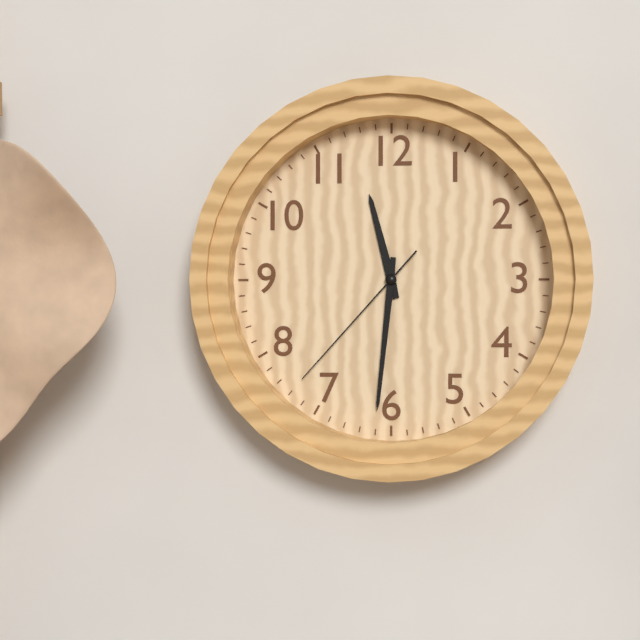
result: h=11 m=31 s=37
